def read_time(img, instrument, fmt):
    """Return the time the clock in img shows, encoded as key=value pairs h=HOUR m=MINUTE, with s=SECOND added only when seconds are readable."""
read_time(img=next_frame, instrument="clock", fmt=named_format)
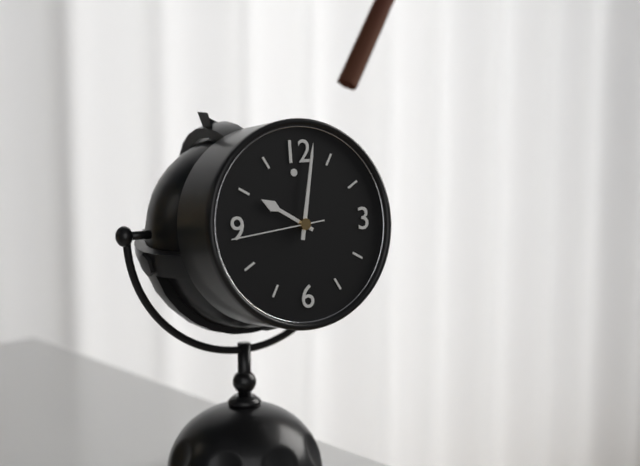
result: h=10 m=2 s=44
